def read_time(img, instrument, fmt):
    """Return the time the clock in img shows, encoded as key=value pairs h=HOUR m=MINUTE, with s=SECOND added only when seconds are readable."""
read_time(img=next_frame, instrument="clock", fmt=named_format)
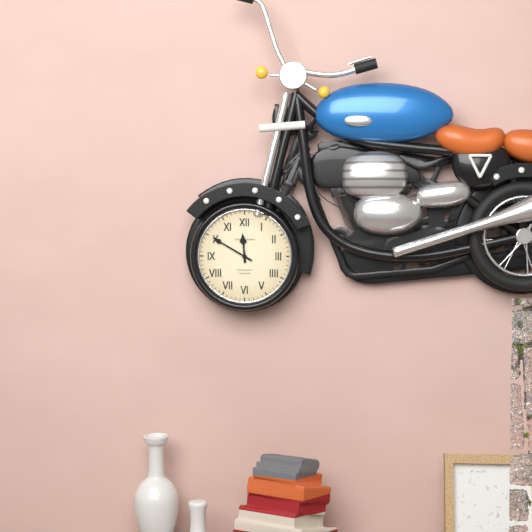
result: h=11 m=50
